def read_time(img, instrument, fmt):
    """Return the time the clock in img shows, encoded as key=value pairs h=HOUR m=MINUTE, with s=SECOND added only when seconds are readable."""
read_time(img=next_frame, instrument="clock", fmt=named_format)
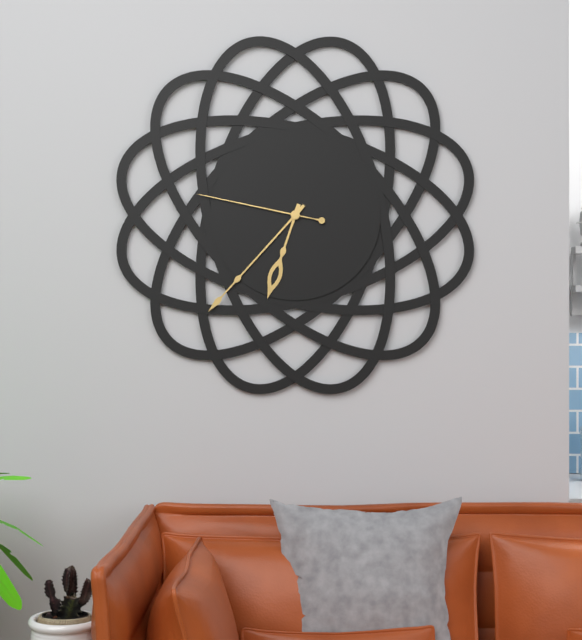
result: h=6 m=37 s=47
